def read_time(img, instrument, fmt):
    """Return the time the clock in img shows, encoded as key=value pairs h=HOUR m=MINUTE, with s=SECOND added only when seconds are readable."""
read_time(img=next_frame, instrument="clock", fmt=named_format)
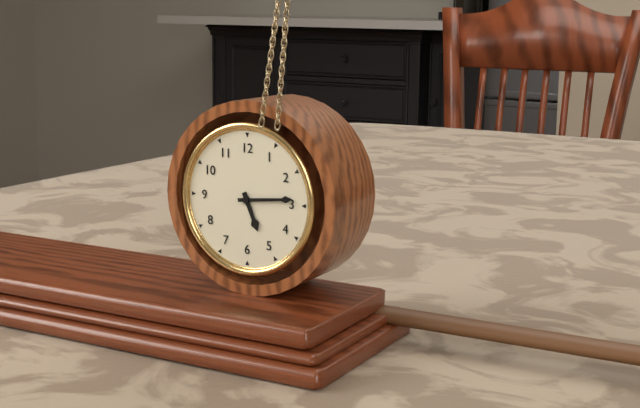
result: h=5 m=14
